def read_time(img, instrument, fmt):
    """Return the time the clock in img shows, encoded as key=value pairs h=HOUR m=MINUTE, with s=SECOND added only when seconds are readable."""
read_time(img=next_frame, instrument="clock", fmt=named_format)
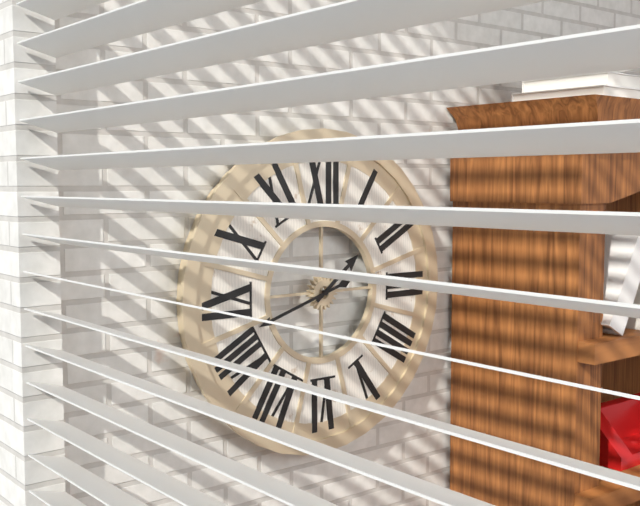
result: h=1 m=42
